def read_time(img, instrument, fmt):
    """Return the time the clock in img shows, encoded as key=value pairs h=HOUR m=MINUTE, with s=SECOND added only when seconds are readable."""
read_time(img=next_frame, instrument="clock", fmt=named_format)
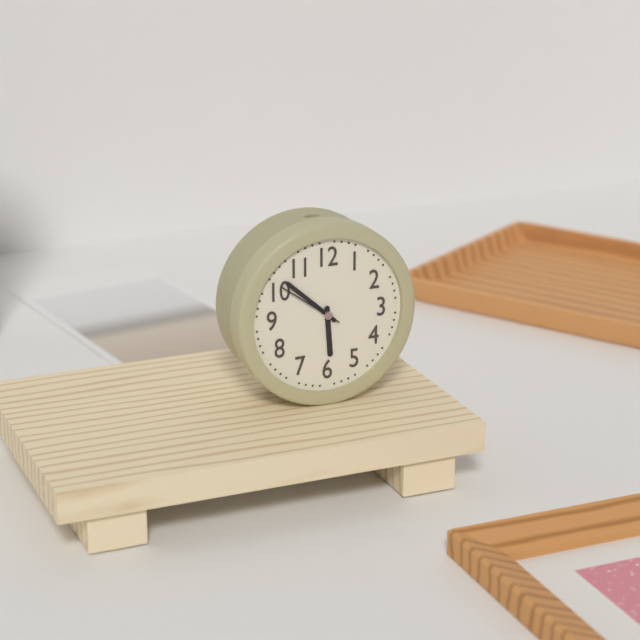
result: h=5 m=52 s=51
